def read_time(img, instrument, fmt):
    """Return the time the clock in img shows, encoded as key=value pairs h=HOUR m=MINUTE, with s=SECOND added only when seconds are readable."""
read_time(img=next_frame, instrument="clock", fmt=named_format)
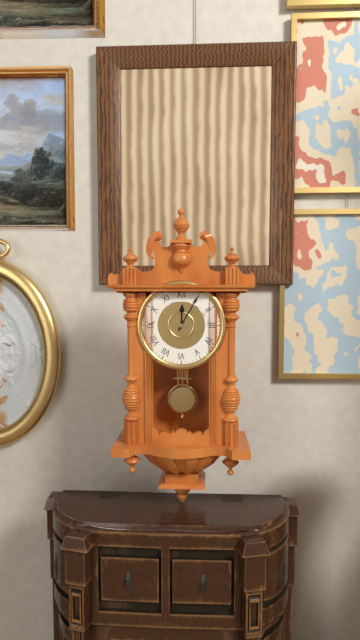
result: h=12 m=5
